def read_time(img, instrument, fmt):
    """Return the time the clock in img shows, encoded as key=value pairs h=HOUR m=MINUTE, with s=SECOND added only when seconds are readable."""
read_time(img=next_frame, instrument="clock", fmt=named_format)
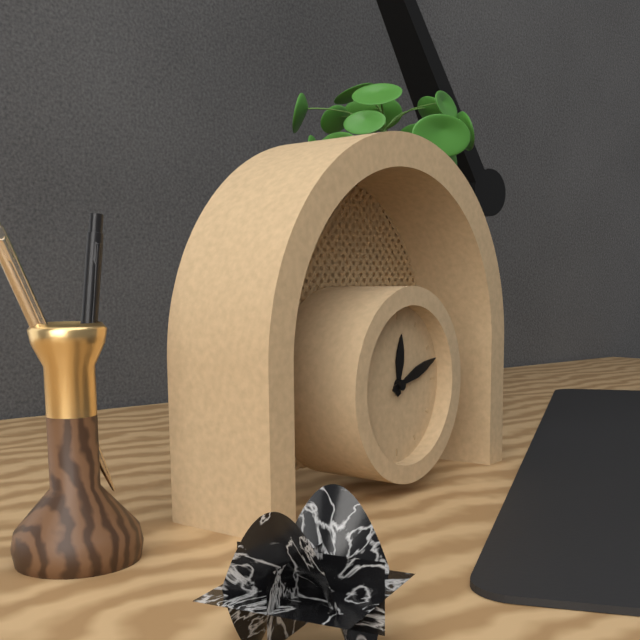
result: h=12 m=12
